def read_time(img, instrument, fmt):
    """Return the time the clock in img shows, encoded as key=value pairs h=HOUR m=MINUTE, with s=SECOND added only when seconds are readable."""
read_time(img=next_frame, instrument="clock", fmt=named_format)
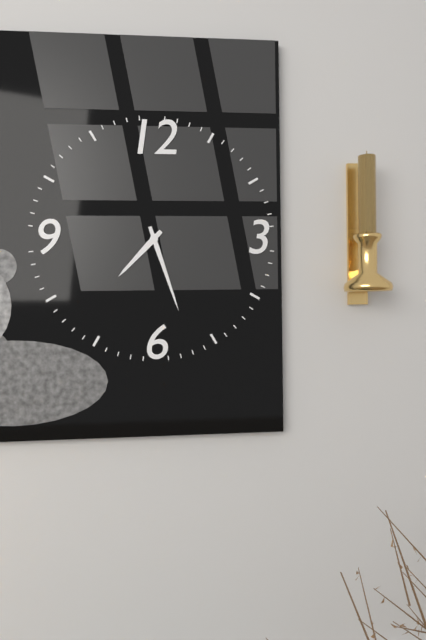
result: h=7 m=27
